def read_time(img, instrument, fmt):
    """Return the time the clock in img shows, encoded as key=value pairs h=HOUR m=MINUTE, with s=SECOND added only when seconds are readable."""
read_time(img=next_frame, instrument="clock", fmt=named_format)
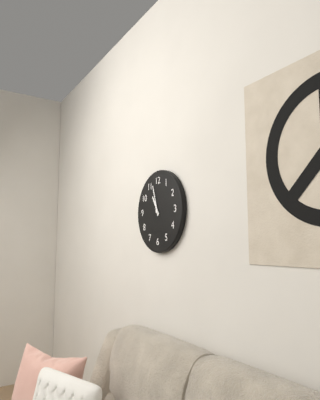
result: h=10 m=57
